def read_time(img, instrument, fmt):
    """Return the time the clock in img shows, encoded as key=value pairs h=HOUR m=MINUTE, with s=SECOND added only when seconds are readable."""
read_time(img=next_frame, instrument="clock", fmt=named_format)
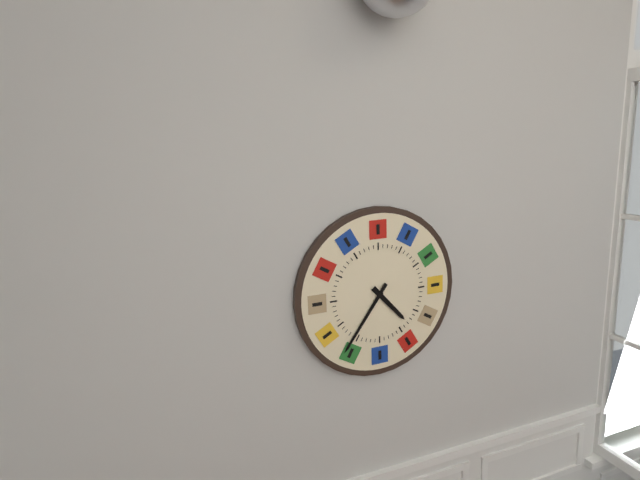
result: h=4 m=36
